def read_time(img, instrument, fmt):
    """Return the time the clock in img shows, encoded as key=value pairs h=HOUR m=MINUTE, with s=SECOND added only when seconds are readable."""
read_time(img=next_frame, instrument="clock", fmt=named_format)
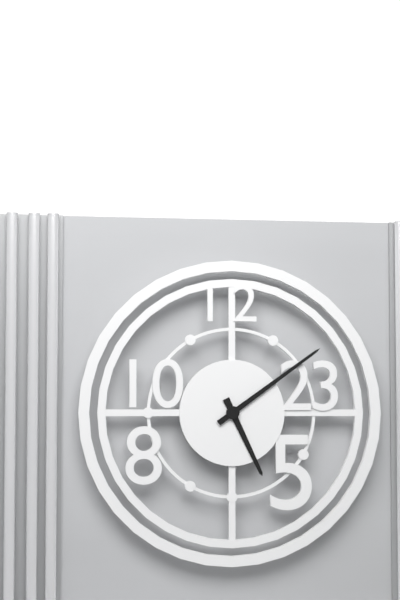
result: h=5 m=9
